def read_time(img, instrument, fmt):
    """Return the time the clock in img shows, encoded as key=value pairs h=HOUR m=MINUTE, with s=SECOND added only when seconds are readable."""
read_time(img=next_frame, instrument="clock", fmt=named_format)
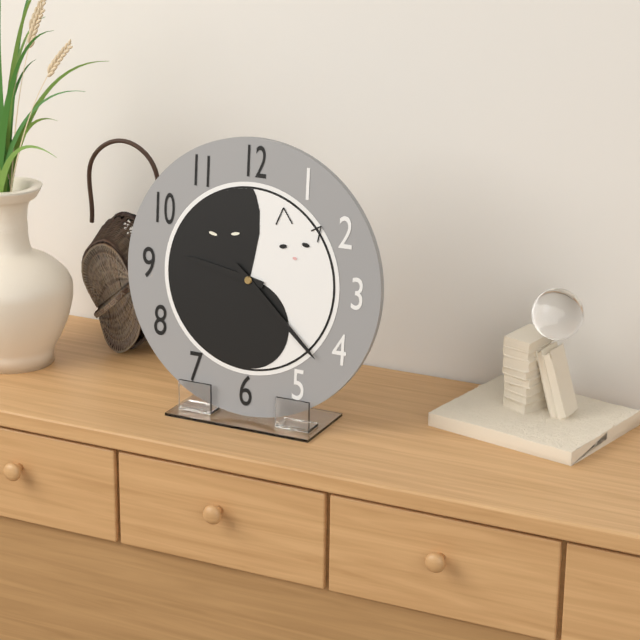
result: h=9 m=22
